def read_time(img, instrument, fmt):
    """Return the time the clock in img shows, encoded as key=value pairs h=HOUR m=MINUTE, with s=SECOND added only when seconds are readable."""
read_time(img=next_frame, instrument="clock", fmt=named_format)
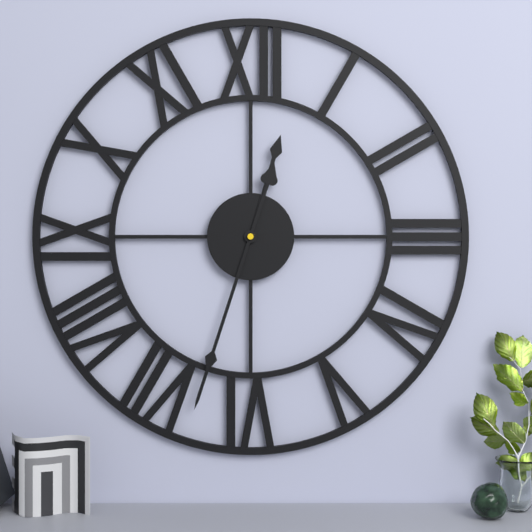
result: h=12 m=33
